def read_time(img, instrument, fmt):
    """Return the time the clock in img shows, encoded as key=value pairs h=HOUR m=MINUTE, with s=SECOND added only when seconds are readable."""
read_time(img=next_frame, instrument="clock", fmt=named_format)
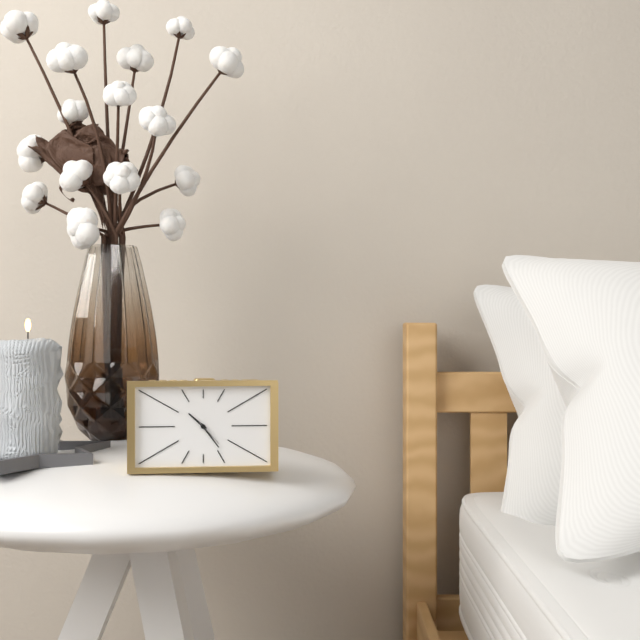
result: h=10 m=24
